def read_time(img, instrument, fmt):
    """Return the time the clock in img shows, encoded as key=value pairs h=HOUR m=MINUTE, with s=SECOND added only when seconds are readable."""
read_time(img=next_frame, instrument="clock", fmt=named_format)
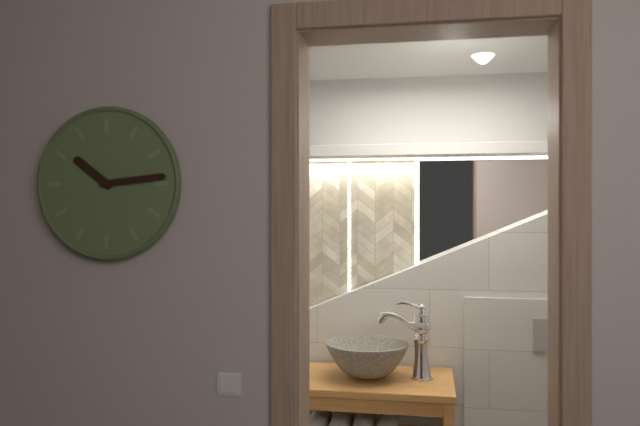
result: h=10 m=14
